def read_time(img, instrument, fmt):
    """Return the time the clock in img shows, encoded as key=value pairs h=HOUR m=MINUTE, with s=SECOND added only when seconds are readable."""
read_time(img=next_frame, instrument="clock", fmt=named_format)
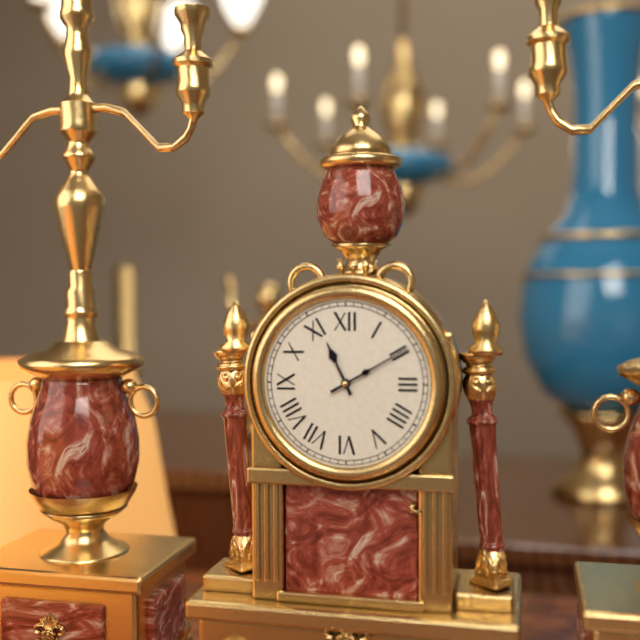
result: h=11 m=10
